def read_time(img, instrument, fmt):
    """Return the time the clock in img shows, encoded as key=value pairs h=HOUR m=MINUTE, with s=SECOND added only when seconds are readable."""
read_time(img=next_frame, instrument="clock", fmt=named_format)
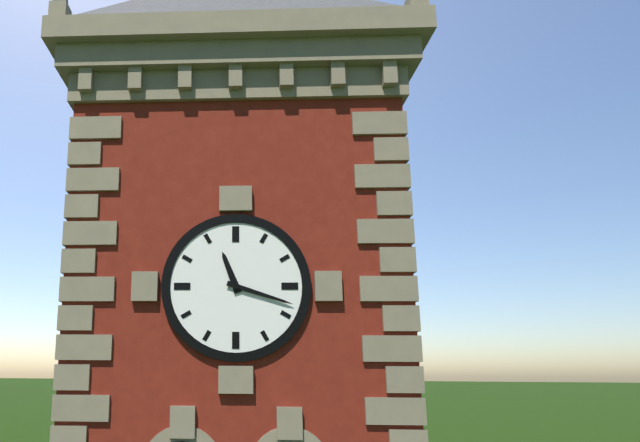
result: h=11 m=18
